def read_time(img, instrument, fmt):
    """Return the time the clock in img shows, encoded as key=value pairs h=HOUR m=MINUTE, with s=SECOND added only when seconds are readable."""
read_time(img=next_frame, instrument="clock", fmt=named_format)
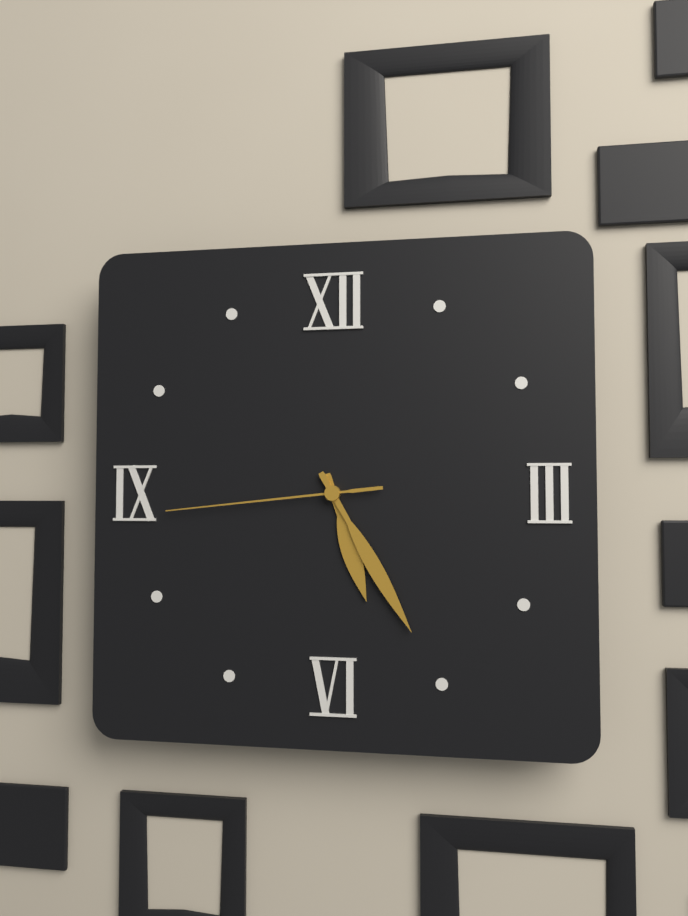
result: h=5 m=25 s=44
